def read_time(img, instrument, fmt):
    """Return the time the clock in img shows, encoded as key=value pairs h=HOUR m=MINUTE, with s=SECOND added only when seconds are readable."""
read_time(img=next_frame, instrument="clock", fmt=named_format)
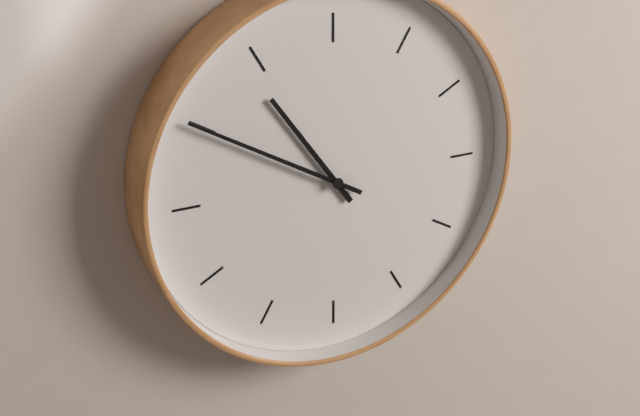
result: h=10 m=50
